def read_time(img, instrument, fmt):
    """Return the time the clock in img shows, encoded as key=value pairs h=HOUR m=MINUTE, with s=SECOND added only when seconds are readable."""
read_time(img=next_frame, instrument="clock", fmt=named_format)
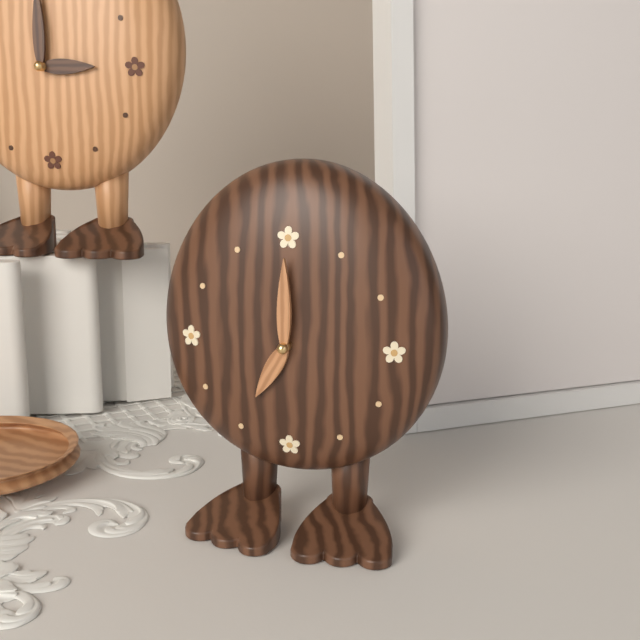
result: h=7 m=0
